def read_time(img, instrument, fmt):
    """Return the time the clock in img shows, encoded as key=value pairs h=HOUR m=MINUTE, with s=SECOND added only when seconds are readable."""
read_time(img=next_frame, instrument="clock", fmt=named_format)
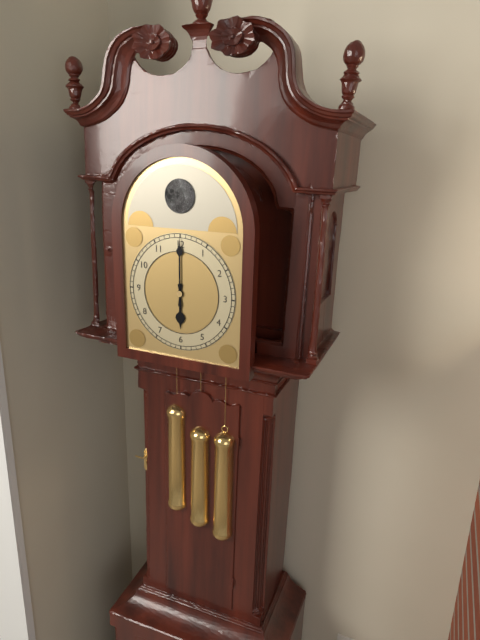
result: h=6 m=0
